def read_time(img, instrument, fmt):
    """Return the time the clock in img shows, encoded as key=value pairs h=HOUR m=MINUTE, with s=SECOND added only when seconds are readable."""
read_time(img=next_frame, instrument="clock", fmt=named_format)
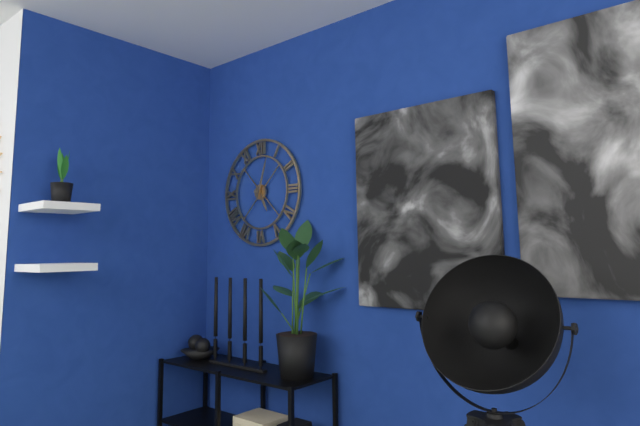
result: h=5 m=3
